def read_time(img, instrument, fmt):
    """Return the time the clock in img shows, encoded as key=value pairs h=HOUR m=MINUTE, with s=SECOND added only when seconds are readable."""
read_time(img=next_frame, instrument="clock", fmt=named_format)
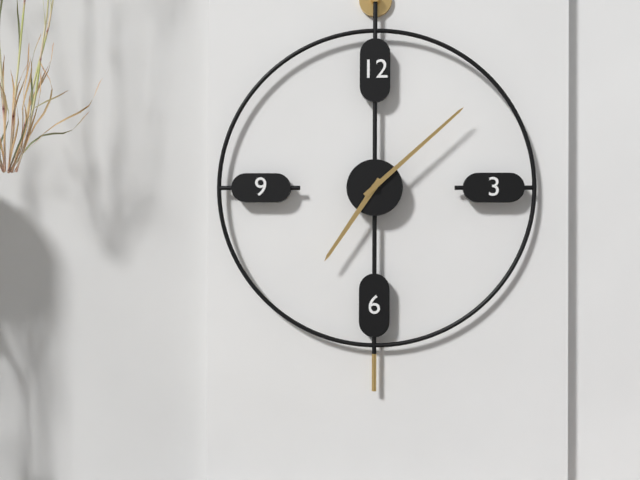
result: h=7 m=8
